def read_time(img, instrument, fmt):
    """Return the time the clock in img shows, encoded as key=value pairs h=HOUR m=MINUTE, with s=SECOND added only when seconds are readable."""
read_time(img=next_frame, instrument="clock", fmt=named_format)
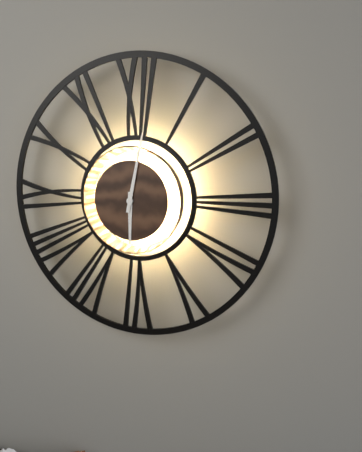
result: h=6 m=2
